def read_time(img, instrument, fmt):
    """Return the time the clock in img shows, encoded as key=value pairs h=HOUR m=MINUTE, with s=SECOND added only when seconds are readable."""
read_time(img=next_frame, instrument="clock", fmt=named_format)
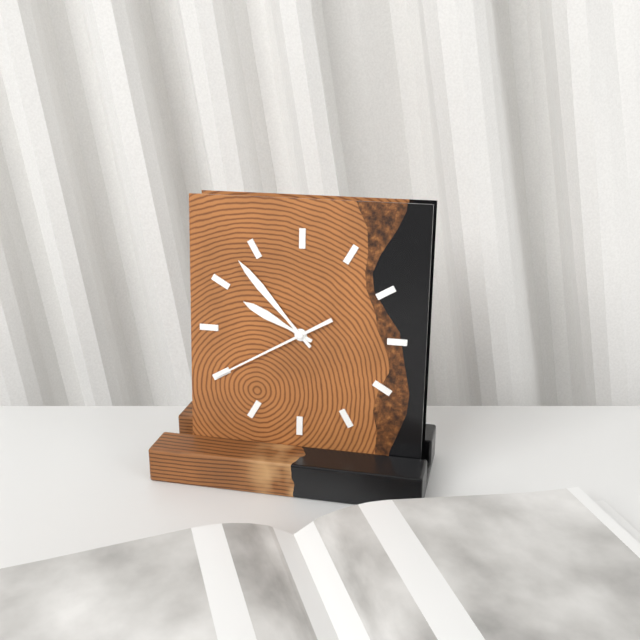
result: h=9 m=53 s=40
